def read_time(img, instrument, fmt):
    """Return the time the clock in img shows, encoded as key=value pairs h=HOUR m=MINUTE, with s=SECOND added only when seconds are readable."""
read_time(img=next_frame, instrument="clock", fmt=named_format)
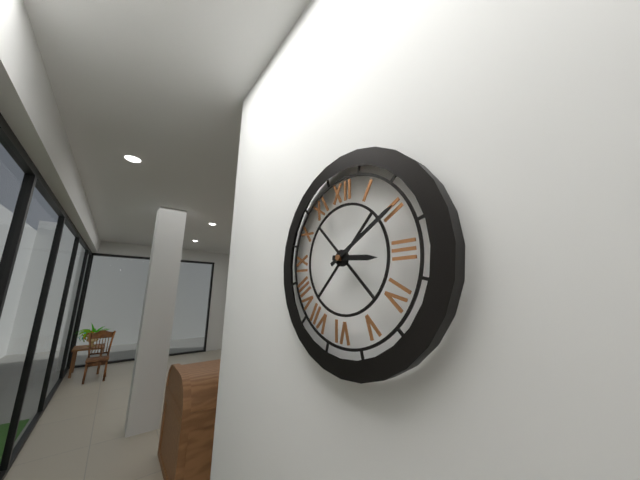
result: h=3 m=10
